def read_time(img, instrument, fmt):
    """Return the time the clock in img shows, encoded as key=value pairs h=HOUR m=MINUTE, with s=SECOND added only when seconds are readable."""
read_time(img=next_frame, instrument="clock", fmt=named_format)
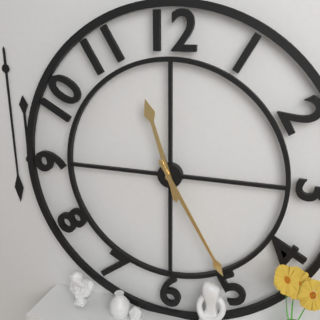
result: h=11 m=25
